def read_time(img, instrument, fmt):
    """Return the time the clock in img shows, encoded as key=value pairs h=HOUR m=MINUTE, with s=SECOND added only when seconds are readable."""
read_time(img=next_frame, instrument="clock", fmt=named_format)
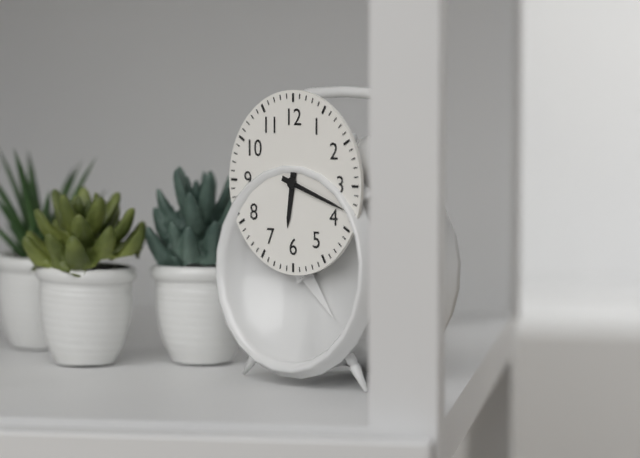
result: h=6 m=18
